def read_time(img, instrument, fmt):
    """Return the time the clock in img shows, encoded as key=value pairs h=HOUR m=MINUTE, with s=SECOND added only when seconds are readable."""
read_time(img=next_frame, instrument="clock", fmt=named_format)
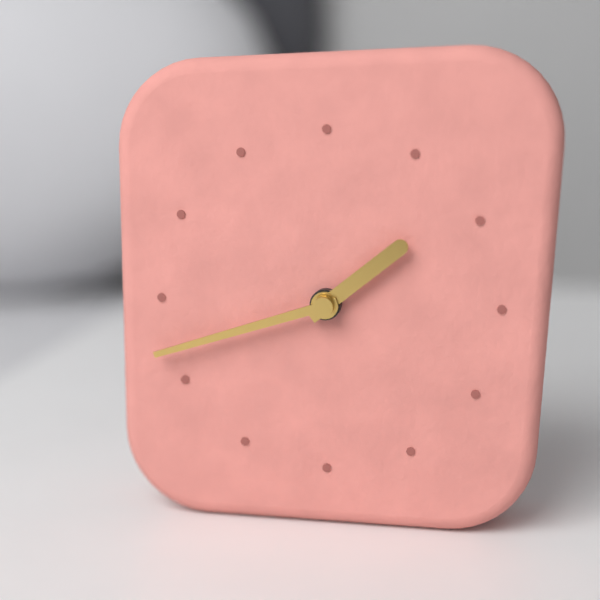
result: h=1 m=42
